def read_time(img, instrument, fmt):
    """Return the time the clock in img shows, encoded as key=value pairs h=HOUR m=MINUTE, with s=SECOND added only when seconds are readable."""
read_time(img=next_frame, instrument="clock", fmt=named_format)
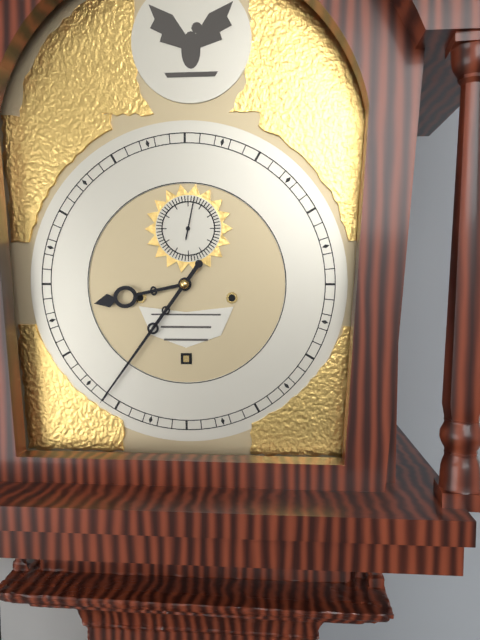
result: h=8 m=36
